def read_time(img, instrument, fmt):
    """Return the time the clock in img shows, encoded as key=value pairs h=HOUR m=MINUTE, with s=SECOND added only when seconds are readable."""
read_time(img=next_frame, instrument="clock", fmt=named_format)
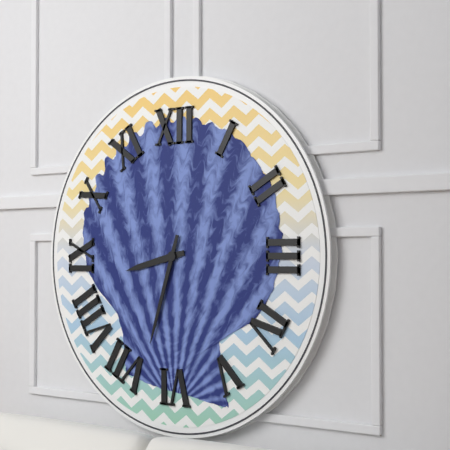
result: h=8 m=33
